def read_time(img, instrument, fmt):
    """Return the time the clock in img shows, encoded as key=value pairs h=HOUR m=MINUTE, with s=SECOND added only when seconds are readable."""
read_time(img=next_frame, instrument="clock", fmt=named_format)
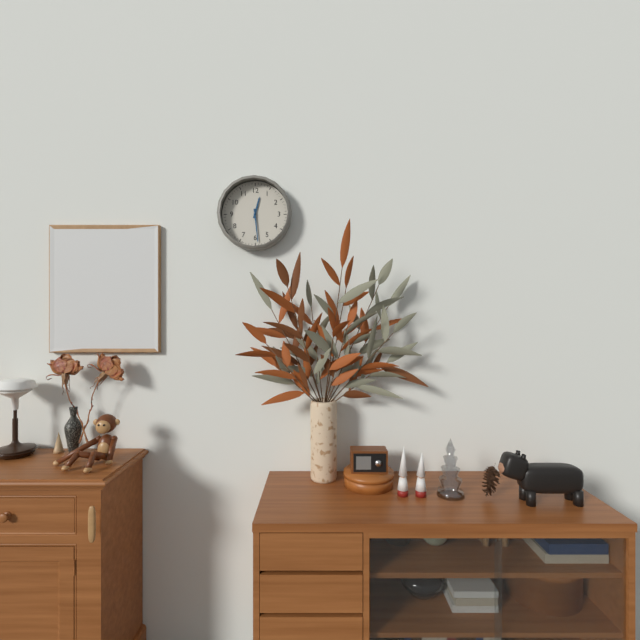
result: h=12 m=29
